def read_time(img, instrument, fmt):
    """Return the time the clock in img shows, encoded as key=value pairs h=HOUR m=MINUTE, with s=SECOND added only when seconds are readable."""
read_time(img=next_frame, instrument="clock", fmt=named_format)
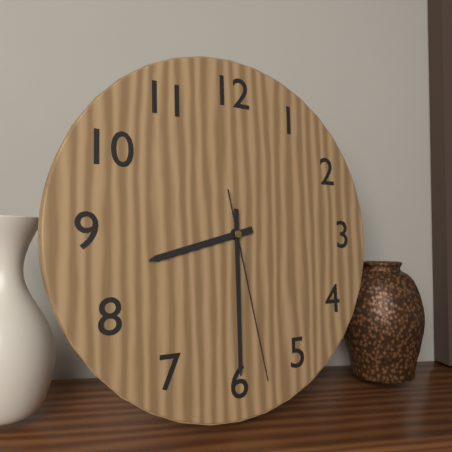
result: h=8 m=30 s=28
